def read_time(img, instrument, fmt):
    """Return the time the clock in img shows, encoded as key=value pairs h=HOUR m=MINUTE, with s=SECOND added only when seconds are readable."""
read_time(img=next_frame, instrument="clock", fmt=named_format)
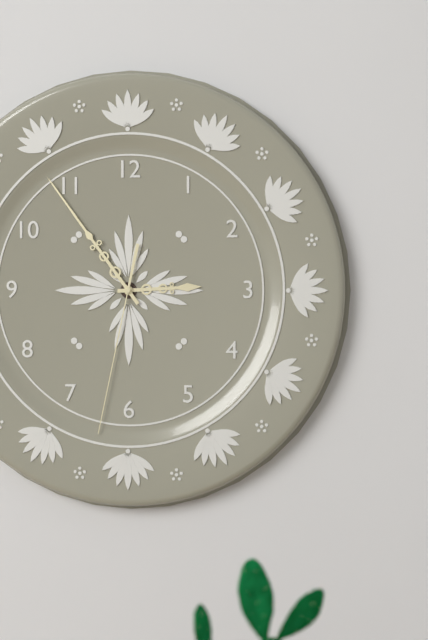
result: h=2 m=54 s=32
